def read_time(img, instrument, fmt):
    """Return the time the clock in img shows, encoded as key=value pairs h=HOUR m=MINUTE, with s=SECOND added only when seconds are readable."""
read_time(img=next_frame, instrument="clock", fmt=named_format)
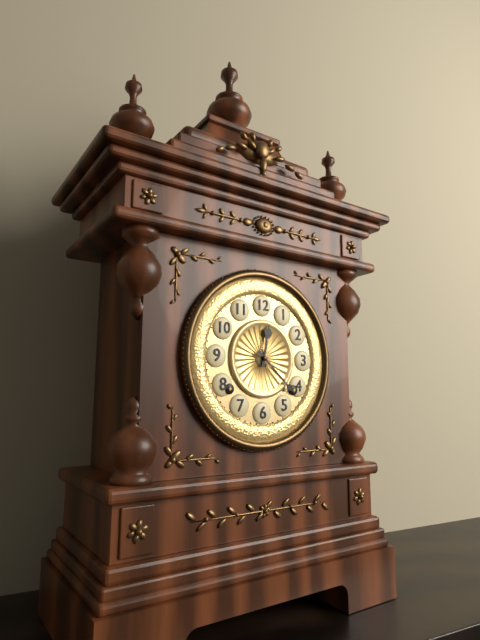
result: h=12 m=22
